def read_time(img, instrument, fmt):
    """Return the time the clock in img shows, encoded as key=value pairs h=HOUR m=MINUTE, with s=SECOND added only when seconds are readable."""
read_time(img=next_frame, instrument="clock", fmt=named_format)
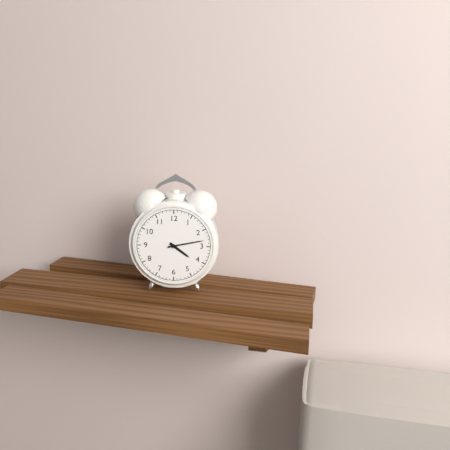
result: h=4 m=13
